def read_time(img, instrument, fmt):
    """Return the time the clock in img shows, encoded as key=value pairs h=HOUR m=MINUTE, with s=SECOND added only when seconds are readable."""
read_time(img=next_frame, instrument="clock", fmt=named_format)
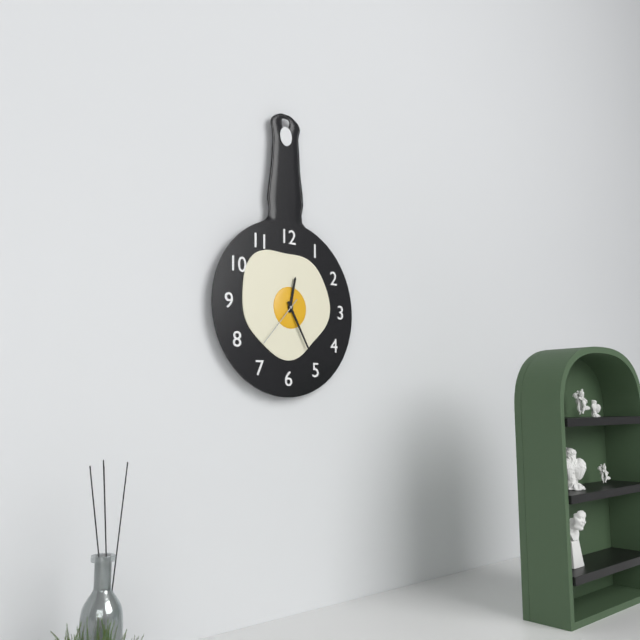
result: h=12 m=25
